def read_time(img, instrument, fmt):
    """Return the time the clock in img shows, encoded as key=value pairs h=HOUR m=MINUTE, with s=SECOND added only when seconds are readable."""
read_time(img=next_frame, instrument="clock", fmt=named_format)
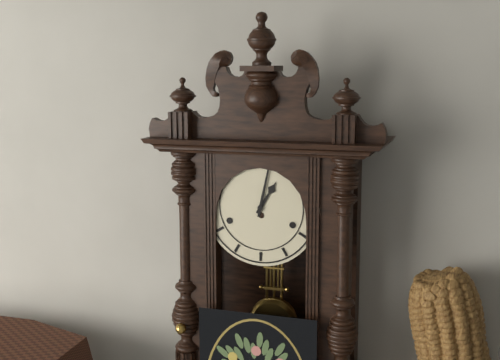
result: h=1 m=2
